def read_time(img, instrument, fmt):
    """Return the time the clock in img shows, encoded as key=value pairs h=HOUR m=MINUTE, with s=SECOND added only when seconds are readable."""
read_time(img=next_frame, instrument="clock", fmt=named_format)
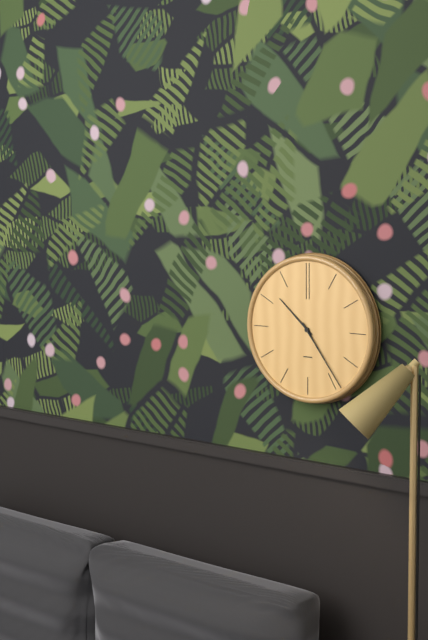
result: h=10 m=24
